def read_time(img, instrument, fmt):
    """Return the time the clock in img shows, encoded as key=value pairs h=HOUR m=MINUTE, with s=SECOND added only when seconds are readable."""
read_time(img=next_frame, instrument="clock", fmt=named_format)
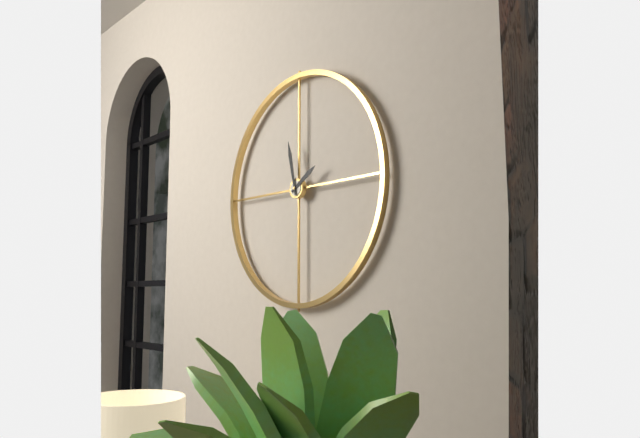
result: h=1 m=58
